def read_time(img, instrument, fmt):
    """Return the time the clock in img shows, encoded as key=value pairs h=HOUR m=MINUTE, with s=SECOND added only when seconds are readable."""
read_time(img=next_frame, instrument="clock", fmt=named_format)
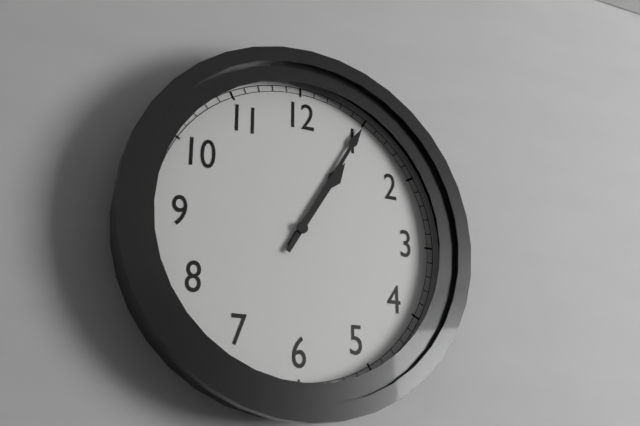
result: h=1 m=5
